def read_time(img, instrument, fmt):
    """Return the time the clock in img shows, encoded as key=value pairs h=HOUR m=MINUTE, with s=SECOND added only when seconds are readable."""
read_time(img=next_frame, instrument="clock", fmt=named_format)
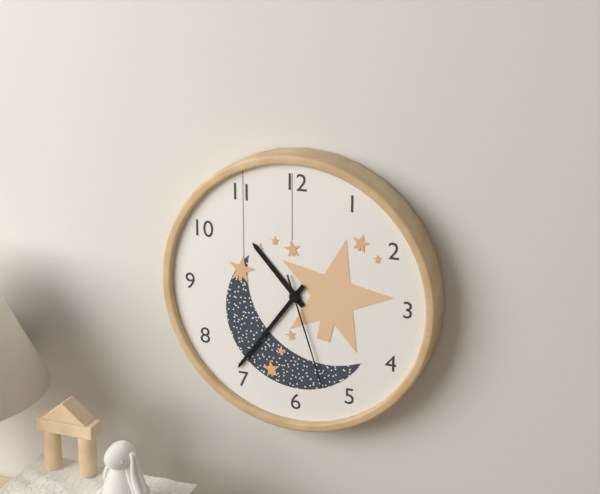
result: h=10 m=36 s=27
